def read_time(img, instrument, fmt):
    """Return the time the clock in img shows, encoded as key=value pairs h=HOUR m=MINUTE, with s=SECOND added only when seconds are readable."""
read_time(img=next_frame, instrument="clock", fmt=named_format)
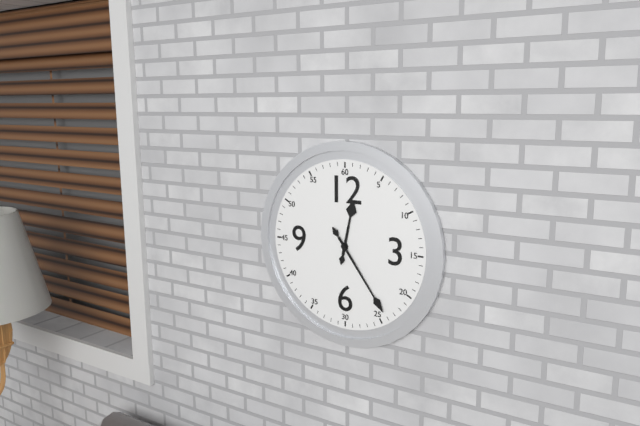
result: h=12 m=24
